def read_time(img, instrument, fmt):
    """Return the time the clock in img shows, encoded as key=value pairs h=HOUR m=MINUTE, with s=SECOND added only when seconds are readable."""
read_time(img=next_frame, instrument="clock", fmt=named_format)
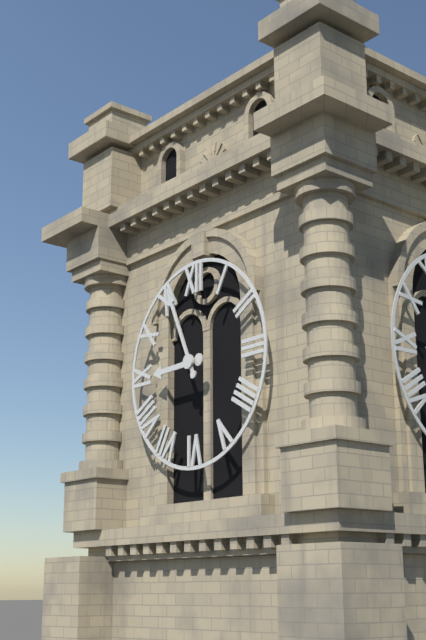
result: h=8 m=56
